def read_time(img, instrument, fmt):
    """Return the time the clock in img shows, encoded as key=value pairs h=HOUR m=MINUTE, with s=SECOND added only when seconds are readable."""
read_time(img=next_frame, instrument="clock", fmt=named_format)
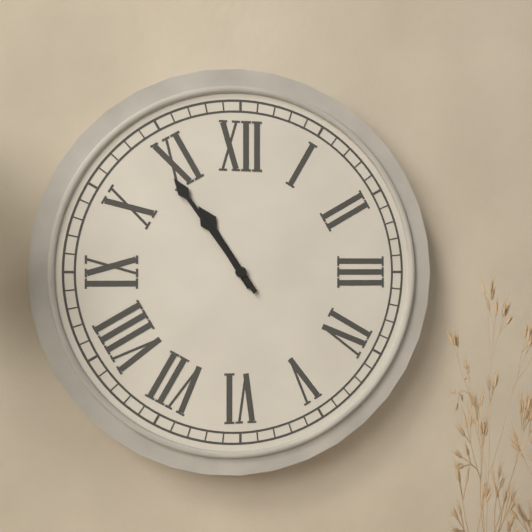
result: h=10 m=54
